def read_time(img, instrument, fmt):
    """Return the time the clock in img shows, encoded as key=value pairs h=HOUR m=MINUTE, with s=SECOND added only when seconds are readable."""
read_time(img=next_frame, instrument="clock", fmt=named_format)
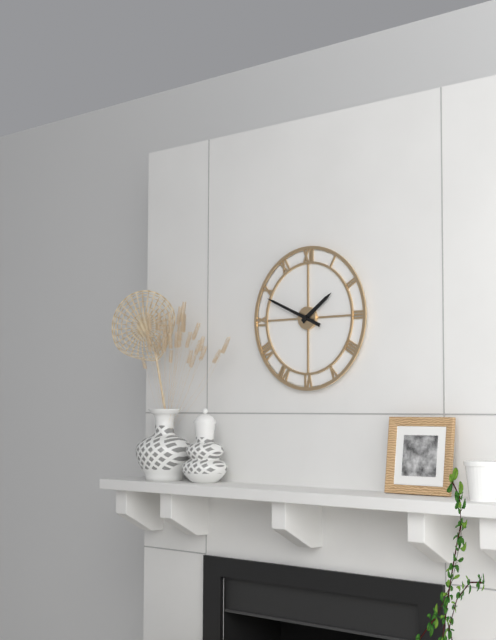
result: h=1 m=49
